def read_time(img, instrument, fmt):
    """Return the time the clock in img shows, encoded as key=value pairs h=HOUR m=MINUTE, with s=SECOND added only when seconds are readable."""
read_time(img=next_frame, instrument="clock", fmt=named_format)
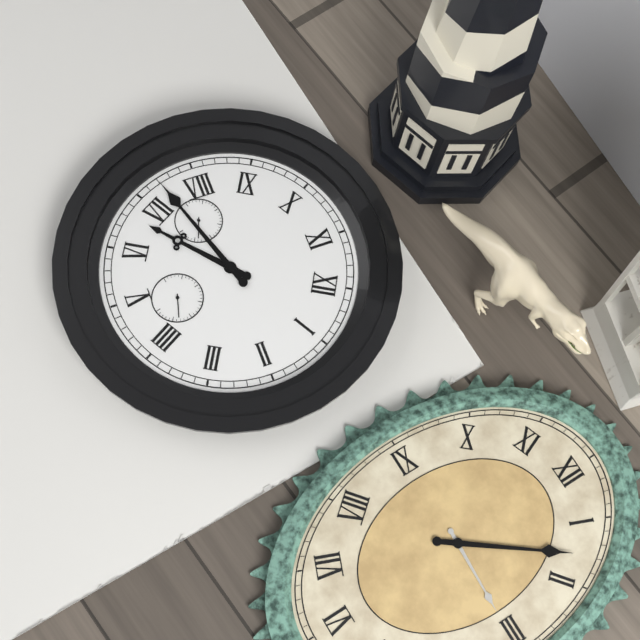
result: h=6 m=37
